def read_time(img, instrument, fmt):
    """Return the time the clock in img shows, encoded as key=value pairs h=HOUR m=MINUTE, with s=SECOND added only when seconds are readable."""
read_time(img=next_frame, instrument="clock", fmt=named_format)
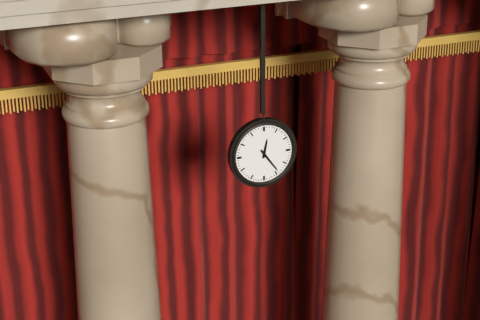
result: h=12 m=24
